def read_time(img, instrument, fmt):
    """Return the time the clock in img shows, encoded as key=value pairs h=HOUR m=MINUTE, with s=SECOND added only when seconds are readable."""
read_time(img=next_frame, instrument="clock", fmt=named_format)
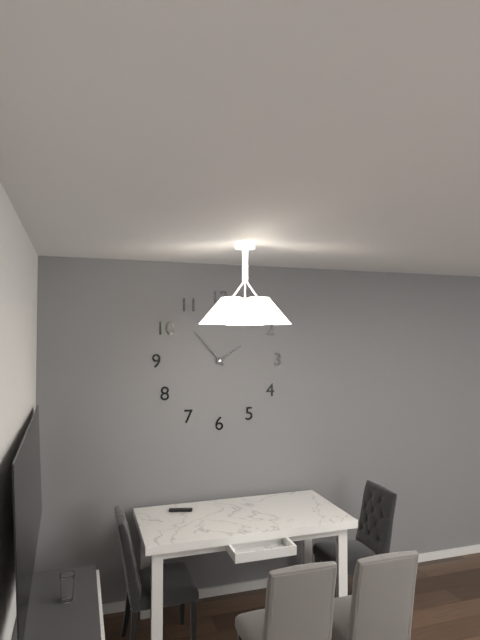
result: h=1 m=53
